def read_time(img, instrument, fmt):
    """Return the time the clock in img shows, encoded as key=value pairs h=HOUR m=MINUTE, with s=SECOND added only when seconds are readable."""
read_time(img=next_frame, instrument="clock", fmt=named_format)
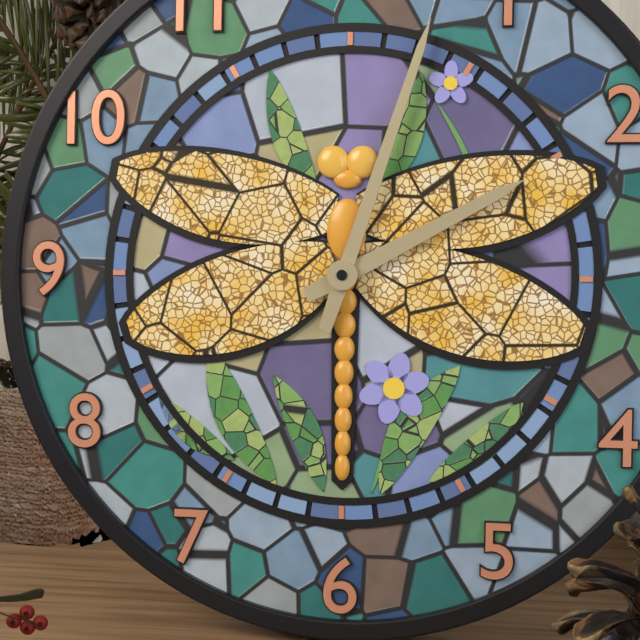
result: h=2 m=3
